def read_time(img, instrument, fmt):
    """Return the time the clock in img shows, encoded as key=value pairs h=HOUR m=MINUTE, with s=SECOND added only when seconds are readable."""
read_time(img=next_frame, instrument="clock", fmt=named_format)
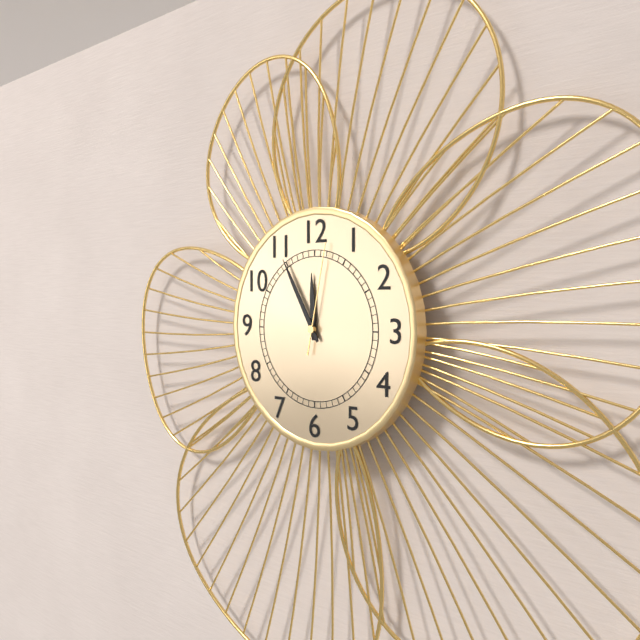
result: h=11 m=55 s=2
